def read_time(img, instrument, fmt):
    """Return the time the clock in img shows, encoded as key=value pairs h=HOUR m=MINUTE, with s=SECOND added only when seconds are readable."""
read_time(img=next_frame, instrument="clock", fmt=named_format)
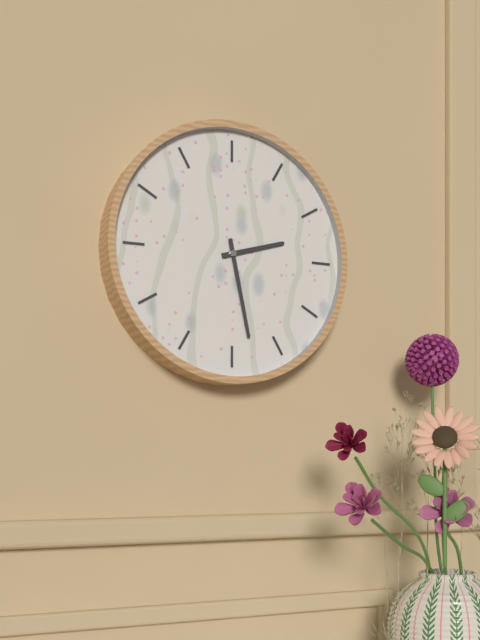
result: h=2 m=28
